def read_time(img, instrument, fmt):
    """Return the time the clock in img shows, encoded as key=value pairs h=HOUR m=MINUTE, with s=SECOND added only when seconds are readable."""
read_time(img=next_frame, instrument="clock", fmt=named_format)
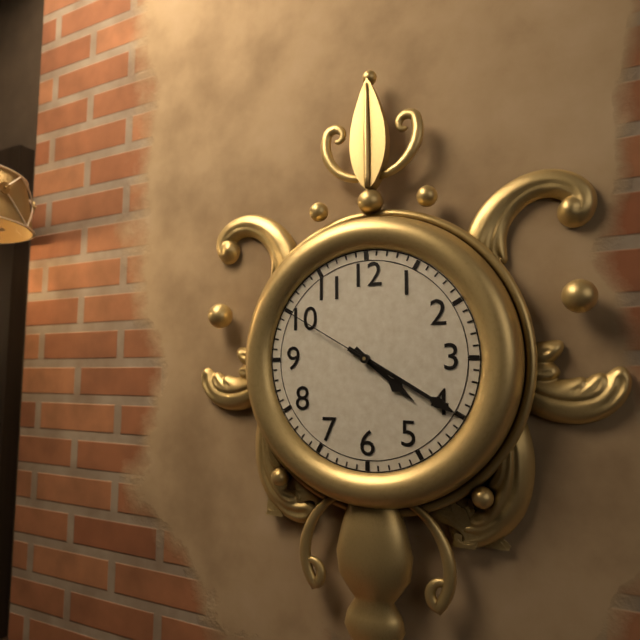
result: h=4 m=20 s=50
